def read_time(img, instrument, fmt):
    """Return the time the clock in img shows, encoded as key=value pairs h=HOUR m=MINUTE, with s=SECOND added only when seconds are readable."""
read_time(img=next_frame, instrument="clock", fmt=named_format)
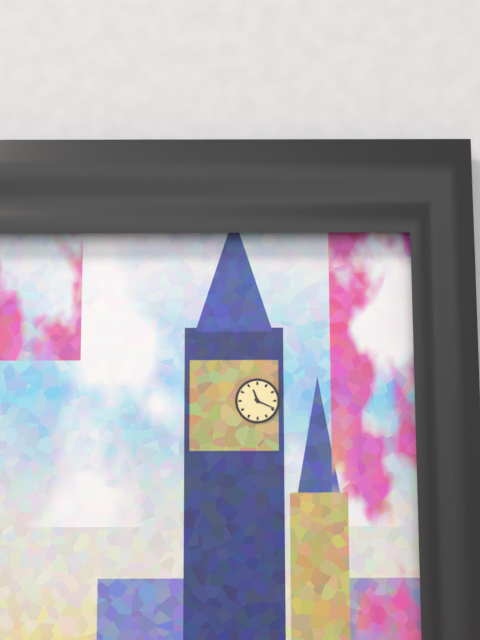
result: h=11 m=19
